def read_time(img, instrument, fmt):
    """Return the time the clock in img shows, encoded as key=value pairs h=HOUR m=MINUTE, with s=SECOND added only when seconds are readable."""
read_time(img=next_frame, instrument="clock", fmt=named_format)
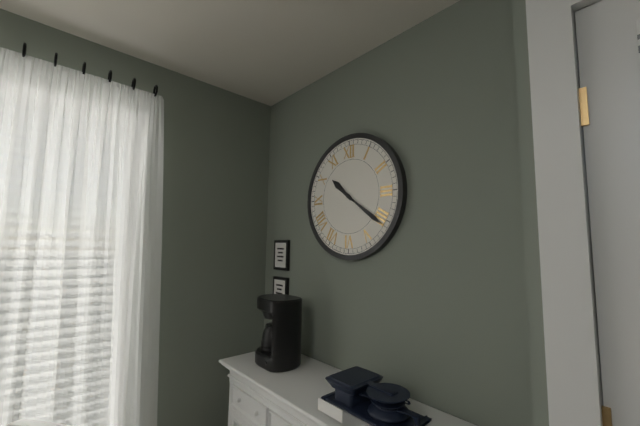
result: h=10 m=21
